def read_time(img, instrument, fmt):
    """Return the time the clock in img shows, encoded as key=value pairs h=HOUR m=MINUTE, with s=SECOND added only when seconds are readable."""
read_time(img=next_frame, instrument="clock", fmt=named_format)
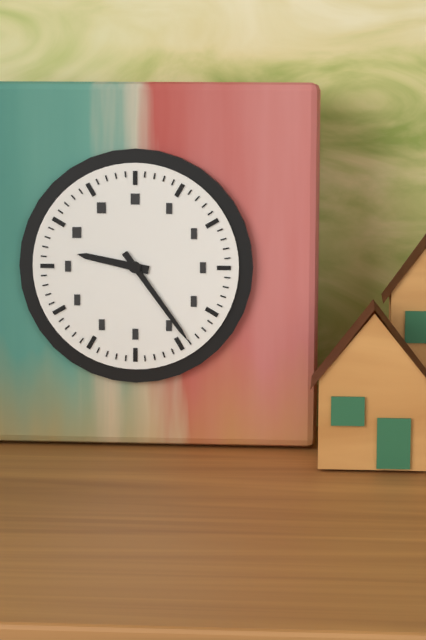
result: h=9 m=24
